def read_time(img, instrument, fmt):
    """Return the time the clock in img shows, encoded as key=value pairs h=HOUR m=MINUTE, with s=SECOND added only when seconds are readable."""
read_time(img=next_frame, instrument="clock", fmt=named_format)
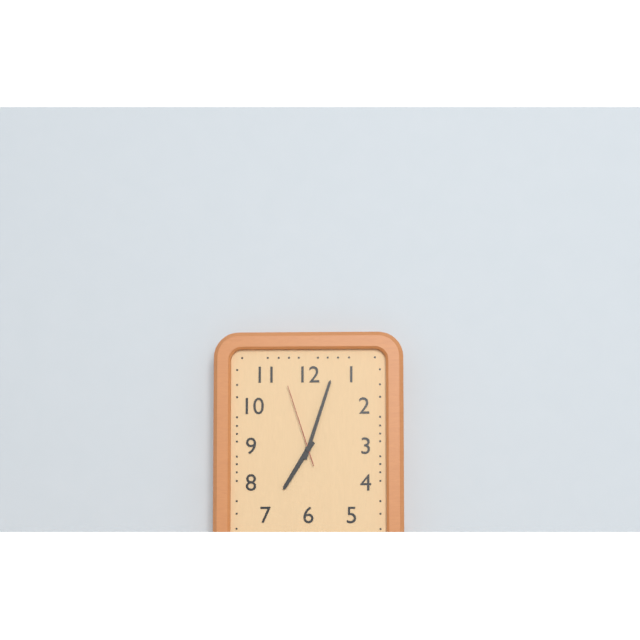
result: h=7 m=3 s=57
